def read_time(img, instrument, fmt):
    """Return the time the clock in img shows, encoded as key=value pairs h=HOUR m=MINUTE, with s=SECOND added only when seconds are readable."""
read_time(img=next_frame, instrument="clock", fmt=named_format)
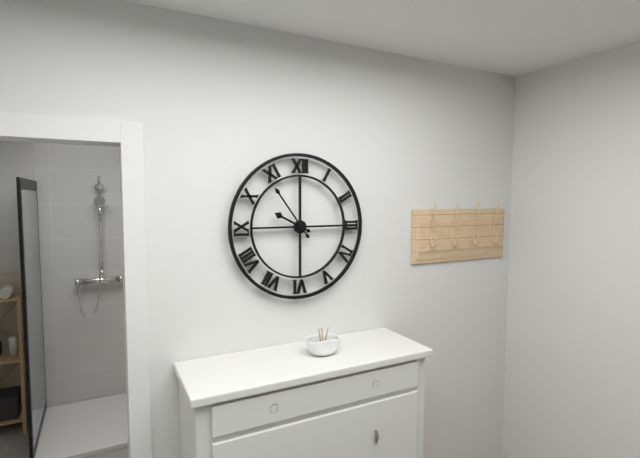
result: h=9 m=54
